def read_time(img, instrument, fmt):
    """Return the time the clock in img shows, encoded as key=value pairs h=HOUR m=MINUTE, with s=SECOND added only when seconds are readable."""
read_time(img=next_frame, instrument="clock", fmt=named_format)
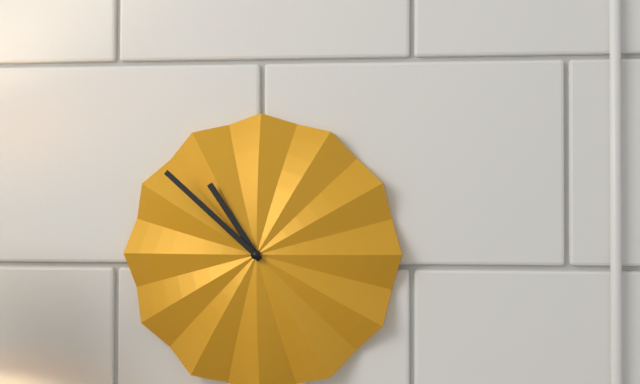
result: h=10 m=52
